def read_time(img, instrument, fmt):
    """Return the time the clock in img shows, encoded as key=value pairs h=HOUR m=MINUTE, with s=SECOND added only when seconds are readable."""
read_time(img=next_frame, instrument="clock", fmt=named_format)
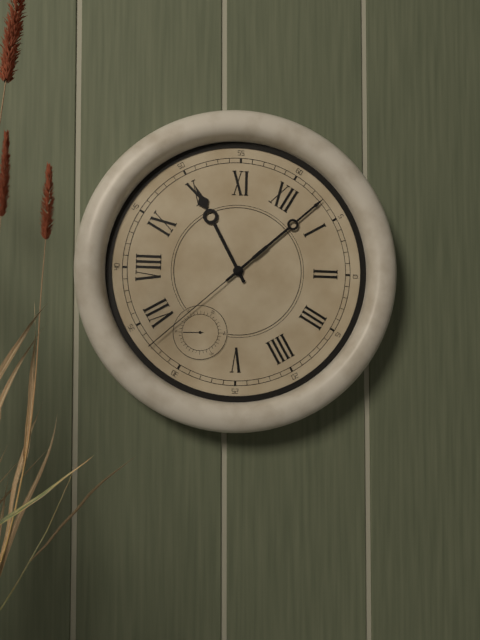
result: h=10 m=3 s=33
